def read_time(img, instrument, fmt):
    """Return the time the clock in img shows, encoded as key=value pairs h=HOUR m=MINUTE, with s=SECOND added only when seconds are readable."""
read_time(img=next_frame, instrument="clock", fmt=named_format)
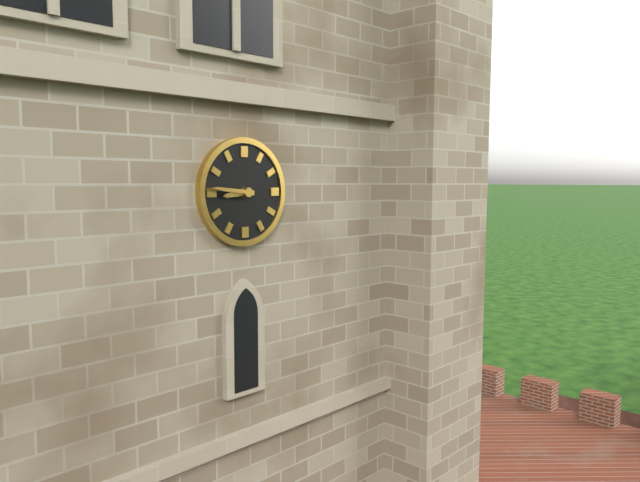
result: h=8 m=46
